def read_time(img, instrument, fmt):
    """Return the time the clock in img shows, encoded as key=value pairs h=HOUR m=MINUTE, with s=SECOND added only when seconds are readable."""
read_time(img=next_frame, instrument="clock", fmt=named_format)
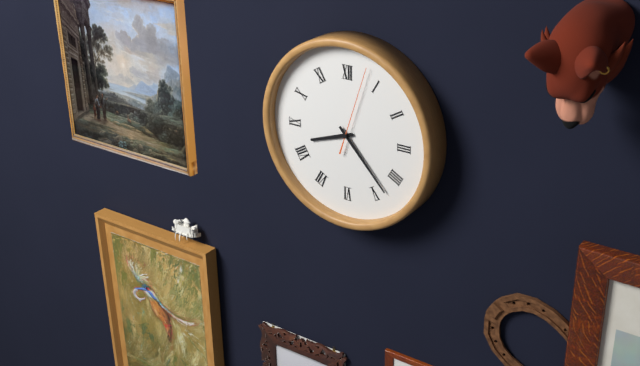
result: h=8 m=23 s=3
